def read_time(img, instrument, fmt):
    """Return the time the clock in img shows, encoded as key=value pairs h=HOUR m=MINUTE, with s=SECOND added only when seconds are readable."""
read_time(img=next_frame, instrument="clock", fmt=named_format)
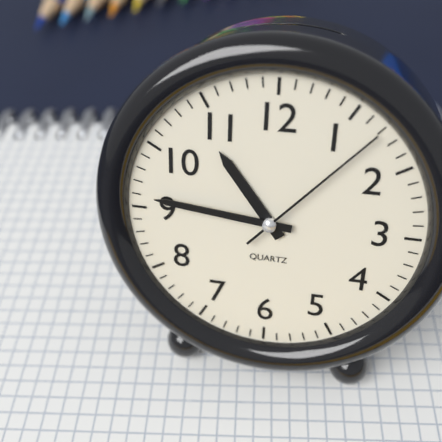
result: h=10 m=46 s=7
